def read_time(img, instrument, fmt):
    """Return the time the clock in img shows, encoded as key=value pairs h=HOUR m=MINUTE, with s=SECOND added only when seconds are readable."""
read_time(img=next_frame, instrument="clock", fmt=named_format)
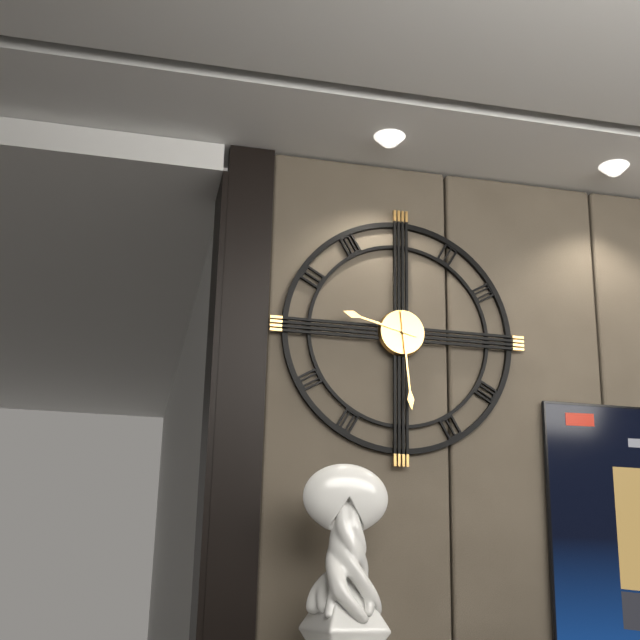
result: h=9 m=29
